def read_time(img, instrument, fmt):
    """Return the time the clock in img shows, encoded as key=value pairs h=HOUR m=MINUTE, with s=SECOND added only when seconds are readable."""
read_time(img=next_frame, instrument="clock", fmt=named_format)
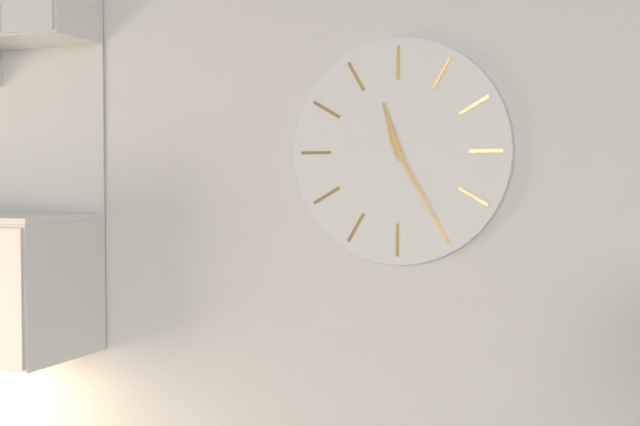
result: h=11 m=25
